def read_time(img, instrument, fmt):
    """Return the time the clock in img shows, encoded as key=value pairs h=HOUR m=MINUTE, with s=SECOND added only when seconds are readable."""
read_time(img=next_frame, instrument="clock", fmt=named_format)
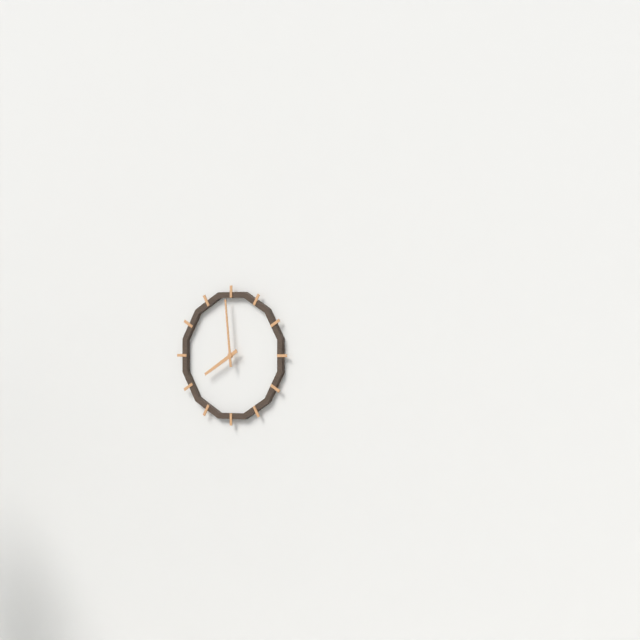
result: h=7 m=59
